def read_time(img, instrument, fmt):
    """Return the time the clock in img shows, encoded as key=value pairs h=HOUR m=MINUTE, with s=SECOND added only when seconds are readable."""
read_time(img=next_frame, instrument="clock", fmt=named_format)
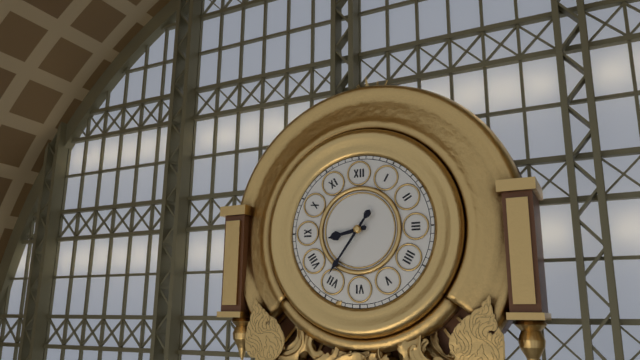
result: h=8 m=36
